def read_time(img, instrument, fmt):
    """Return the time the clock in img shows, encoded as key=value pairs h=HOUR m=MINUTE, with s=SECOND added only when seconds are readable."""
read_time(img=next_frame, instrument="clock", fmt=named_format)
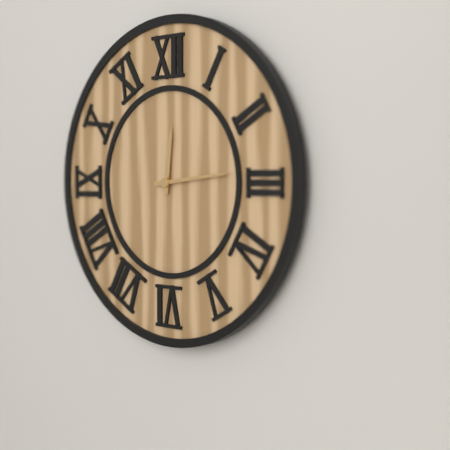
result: h=12 m=14
